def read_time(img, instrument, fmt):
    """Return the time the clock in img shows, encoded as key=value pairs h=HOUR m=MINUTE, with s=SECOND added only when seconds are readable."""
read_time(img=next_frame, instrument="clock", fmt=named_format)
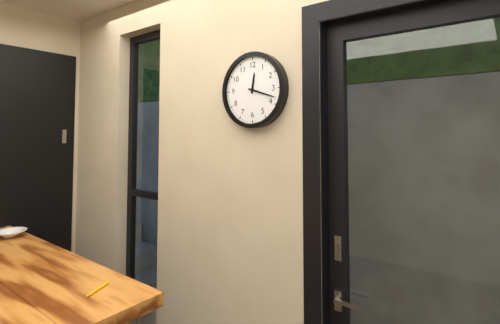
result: h=12 m=18
